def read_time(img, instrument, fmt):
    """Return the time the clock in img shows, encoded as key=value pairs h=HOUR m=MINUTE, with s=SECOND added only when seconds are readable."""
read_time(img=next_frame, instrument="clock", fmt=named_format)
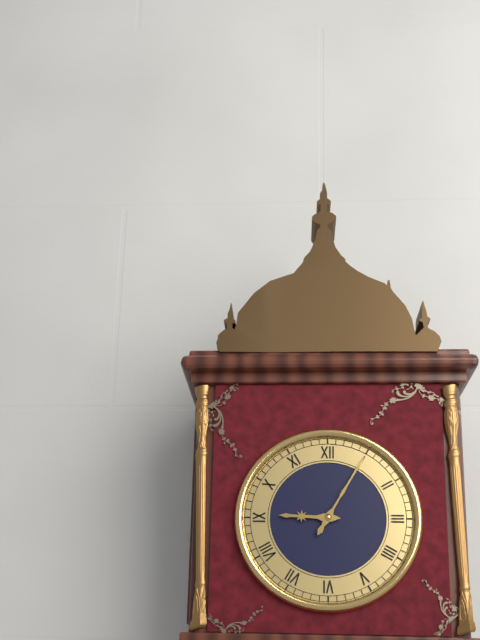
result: h=9 m=5
